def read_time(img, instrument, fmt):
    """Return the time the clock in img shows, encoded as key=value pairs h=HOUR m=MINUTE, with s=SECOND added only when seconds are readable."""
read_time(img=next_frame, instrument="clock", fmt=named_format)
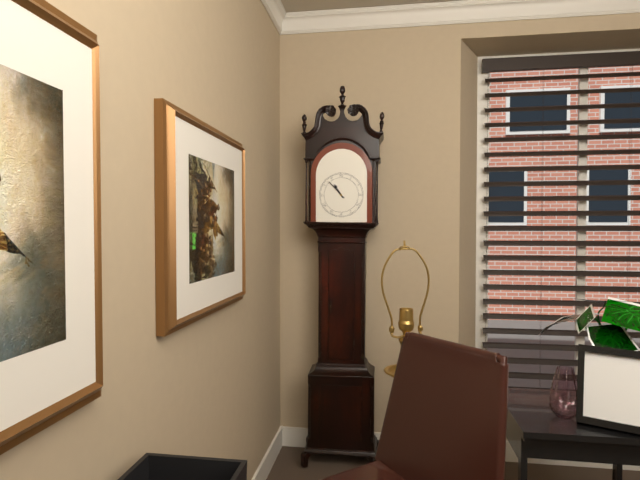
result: h=10 m=53
